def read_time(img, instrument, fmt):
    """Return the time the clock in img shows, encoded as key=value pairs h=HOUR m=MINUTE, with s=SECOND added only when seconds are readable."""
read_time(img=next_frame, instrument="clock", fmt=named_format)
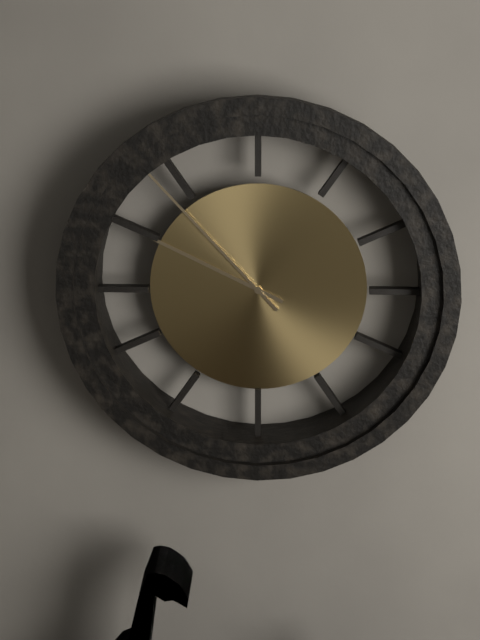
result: h=9 m=53
